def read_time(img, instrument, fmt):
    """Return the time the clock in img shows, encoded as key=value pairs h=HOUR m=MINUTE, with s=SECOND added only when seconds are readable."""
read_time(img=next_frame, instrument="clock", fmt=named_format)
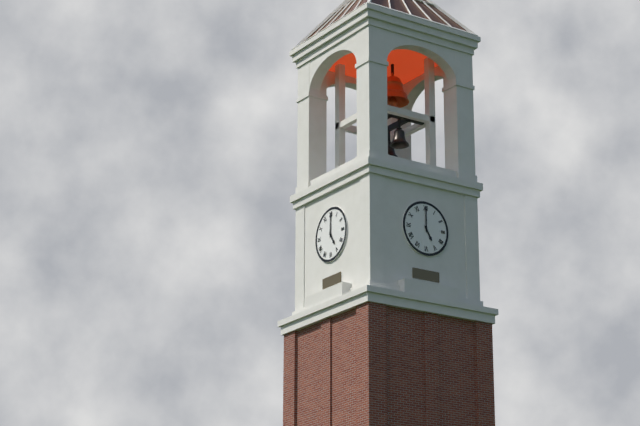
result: h=5 m=0
